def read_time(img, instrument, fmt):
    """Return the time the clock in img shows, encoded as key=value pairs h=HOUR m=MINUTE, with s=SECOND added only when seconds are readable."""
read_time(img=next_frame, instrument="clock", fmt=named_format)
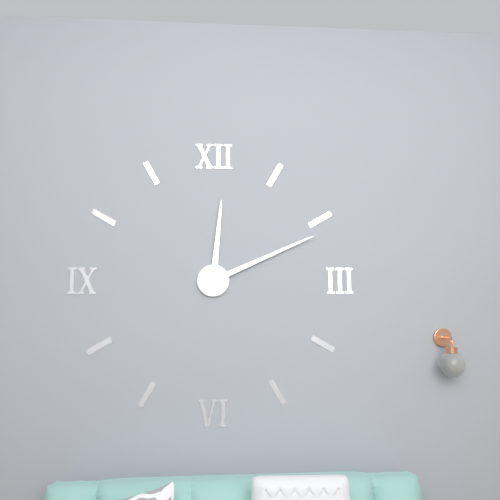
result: h=12 m=11
